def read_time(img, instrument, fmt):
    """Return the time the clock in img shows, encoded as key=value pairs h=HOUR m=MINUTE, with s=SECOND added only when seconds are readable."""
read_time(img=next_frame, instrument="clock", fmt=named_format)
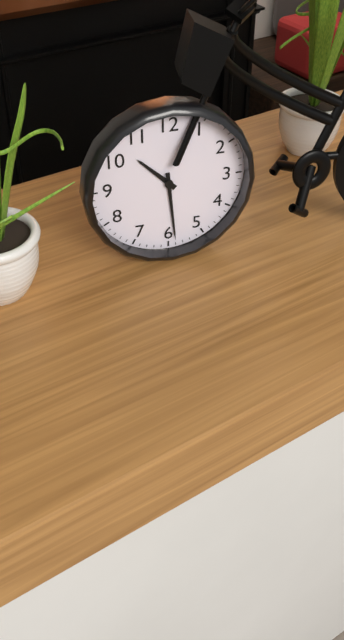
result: h=10 m=29
